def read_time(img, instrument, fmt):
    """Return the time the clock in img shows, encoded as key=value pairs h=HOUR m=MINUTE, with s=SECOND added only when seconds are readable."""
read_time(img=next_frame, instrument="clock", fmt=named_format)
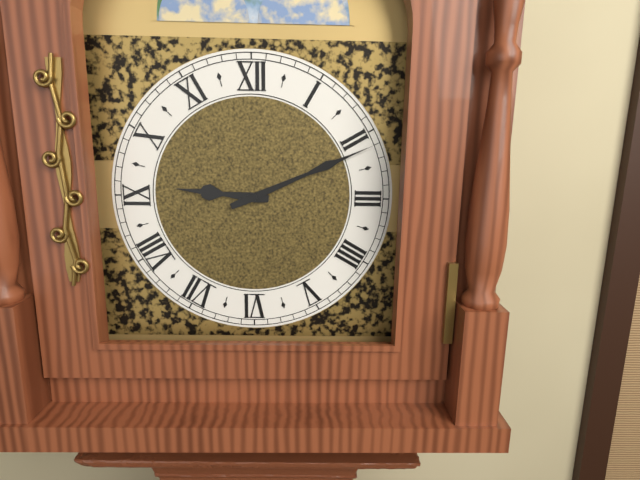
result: h=9 m=11
